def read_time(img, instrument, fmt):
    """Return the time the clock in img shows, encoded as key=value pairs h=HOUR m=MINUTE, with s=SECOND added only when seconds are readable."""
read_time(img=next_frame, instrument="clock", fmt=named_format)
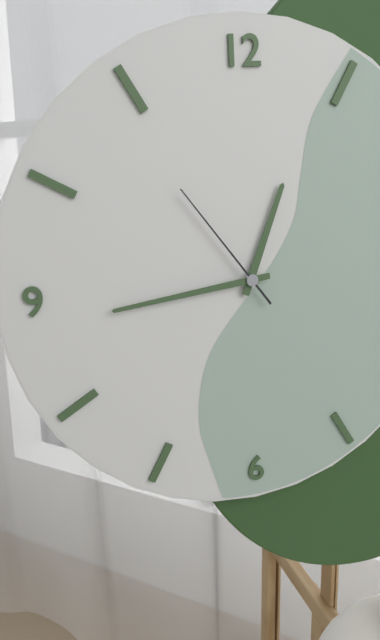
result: h=12 m=44 s=54
